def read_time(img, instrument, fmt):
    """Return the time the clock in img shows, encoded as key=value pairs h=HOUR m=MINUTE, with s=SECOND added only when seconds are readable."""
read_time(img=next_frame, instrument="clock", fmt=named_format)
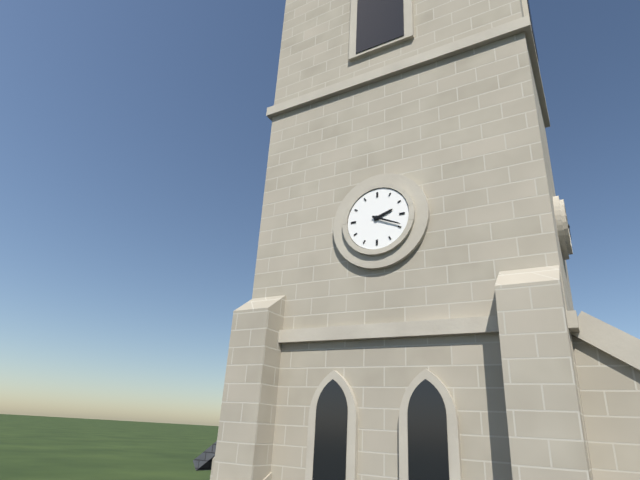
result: h=2 m=19
